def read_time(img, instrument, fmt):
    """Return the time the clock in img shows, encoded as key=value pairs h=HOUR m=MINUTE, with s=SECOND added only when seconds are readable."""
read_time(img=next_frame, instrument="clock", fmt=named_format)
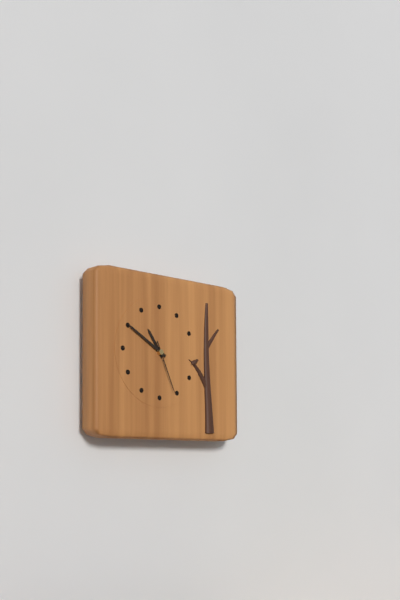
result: h=10 m=50 s=26
